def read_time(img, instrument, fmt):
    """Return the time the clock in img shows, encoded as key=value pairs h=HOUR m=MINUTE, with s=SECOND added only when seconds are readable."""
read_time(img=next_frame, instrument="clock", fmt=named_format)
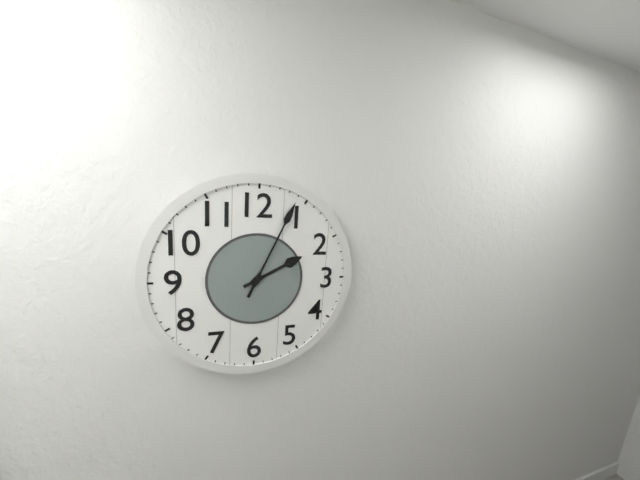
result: h=2 m=4
